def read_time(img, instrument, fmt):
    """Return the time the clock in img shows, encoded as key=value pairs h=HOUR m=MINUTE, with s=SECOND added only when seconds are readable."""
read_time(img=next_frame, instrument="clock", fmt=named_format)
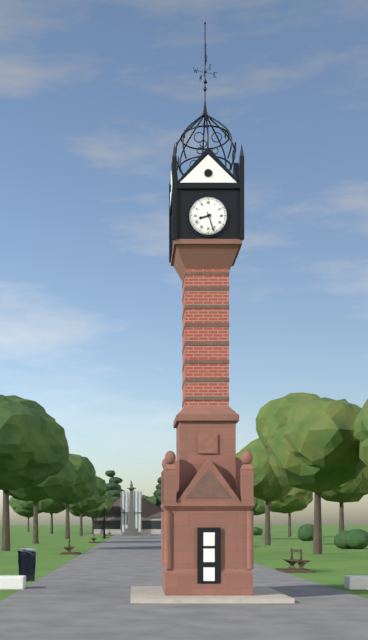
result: h=8 m=27
